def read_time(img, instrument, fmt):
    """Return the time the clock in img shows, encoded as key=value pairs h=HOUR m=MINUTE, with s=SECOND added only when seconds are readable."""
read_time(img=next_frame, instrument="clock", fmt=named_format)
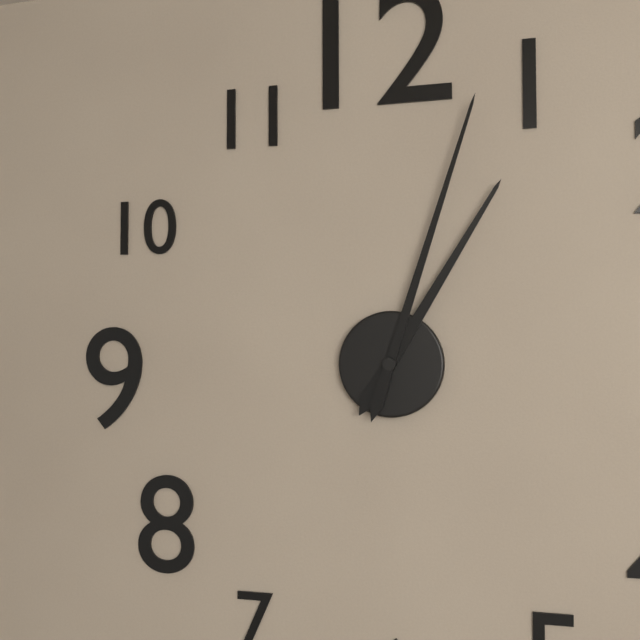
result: h=1 m=3
